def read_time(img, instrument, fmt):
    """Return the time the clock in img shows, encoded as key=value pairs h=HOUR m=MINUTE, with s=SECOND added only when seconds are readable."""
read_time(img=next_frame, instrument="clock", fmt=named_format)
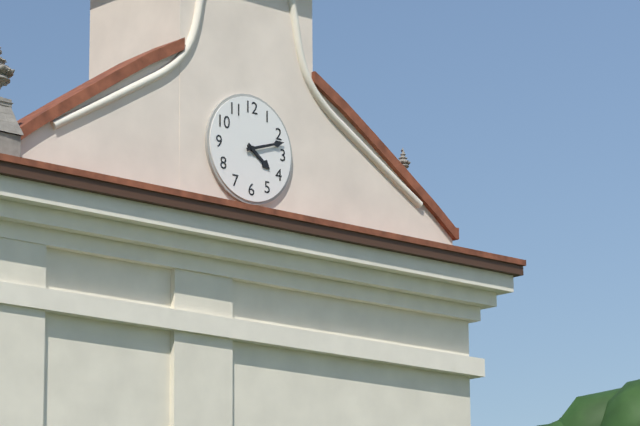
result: h=4 m=12
